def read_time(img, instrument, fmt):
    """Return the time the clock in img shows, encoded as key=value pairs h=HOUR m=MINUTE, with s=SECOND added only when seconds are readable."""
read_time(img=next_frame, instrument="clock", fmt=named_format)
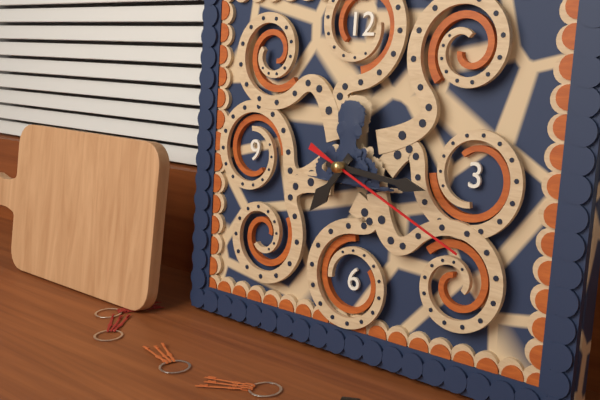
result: h=7 m=16 s=19
